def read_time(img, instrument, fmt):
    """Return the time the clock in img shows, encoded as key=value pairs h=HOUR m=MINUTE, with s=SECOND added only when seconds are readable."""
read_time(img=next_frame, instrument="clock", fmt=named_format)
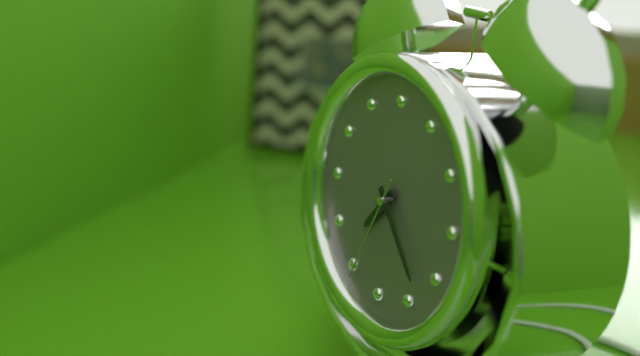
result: h=7 m=23 s=34
